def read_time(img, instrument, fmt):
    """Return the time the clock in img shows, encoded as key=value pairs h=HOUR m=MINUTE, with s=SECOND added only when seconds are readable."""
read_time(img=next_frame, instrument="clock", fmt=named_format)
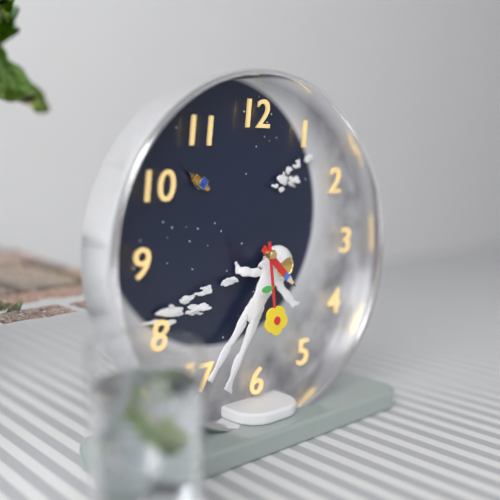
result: h=4 m=29
